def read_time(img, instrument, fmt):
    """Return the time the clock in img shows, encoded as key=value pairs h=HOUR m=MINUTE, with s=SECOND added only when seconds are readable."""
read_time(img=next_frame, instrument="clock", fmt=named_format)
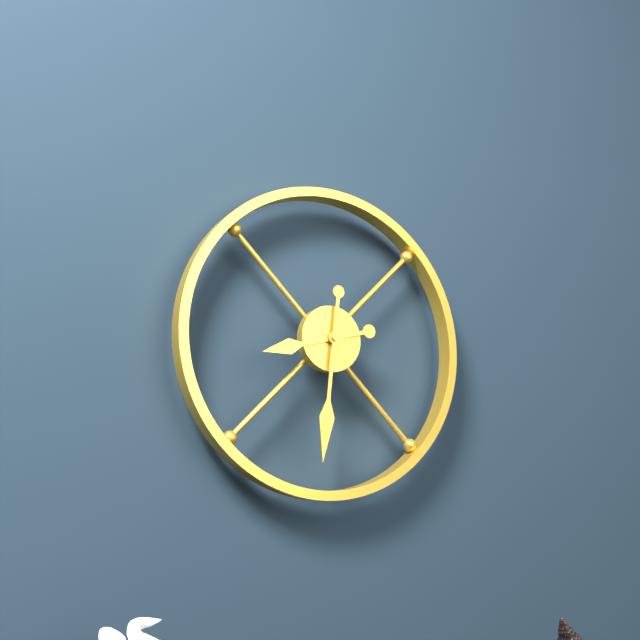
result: h=8 m=31
